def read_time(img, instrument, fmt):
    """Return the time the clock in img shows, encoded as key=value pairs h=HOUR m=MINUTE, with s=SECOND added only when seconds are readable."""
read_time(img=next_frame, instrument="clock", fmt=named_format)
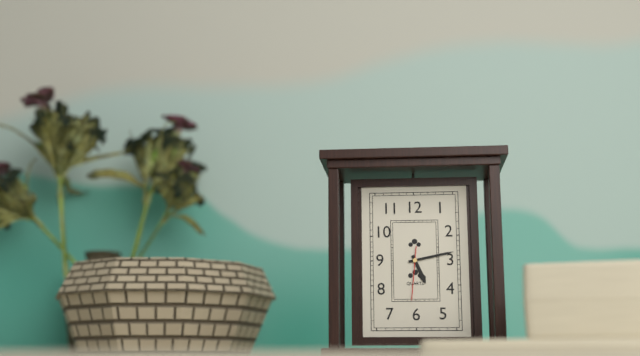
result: h=5 m=13 s=31
